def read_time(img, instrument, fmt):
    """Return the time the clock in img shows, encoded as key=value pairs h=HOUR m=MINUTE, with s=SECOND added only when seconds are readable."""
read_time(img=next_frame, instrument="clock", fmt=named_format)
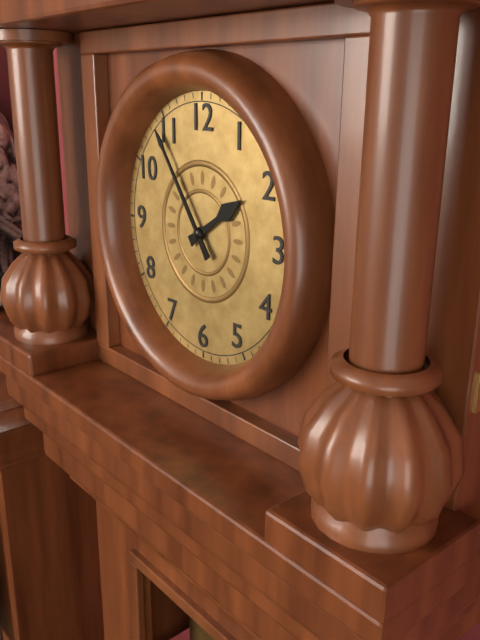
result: h=1 m=54
